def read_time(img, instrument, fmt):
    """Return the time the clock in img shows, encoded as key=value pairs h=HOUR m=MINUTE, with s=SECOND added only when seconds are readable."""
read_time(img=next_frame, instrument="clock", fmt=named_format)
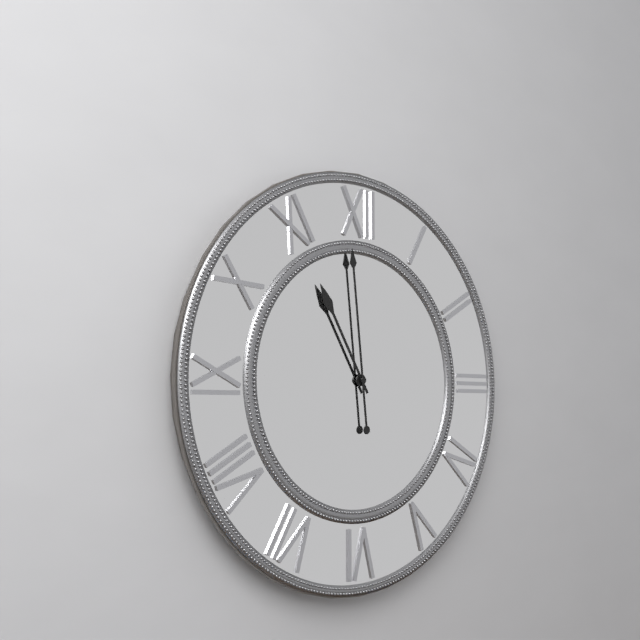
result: h=10 m=59
